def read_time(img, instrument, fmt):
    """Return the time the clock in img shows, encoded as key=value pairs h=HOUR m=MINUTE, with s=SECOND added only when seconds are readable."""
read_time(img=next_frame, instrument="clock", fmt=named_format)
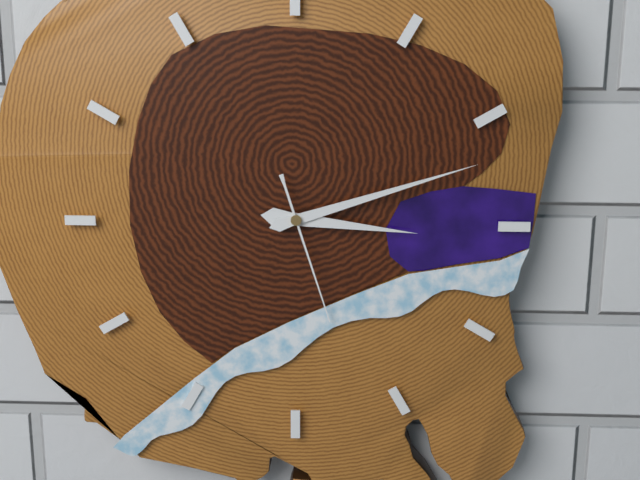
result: h=3 m=12 s=27
